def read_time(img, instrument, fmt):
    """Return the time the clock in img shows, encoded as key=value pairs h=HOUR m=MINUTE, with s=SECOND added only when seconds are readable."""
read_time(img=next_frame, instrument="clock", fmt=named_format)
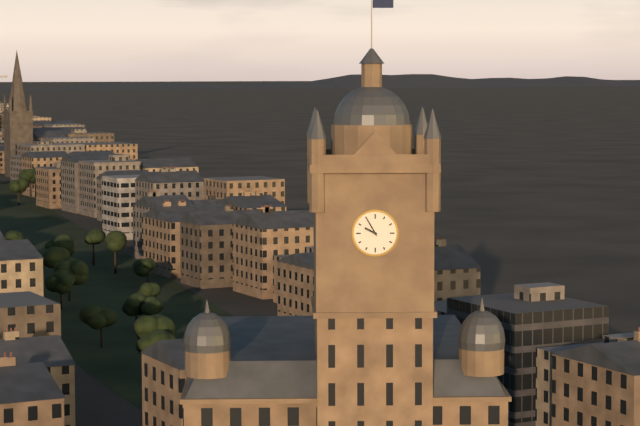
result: h=9 m=55
